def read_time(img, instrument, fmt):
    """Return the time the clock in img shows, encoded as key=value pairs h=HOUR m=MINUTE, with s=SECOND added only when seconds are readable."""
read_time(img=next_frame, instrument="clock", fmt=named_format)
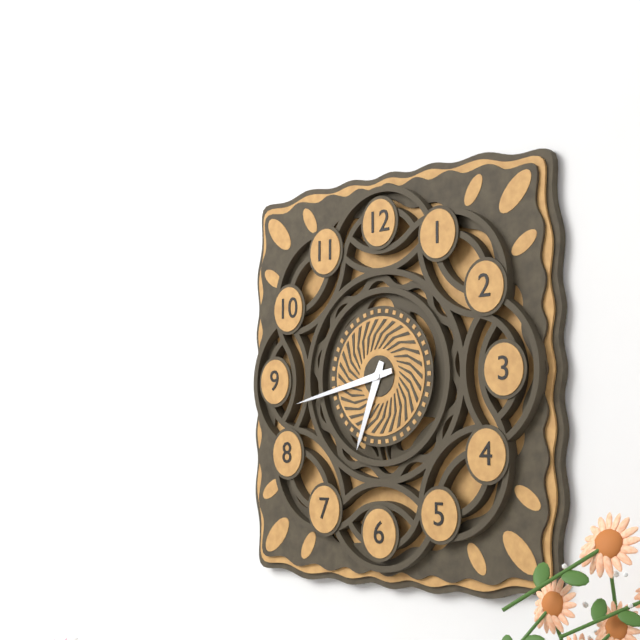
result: h=6 m=43
